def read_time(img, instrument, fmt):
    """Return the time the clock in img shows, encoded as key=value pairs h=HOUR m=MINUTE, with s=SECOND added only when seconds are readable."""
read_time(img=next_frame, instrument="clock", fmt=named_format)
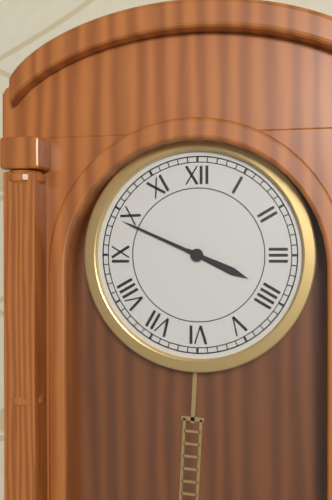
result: h=3 m=49
